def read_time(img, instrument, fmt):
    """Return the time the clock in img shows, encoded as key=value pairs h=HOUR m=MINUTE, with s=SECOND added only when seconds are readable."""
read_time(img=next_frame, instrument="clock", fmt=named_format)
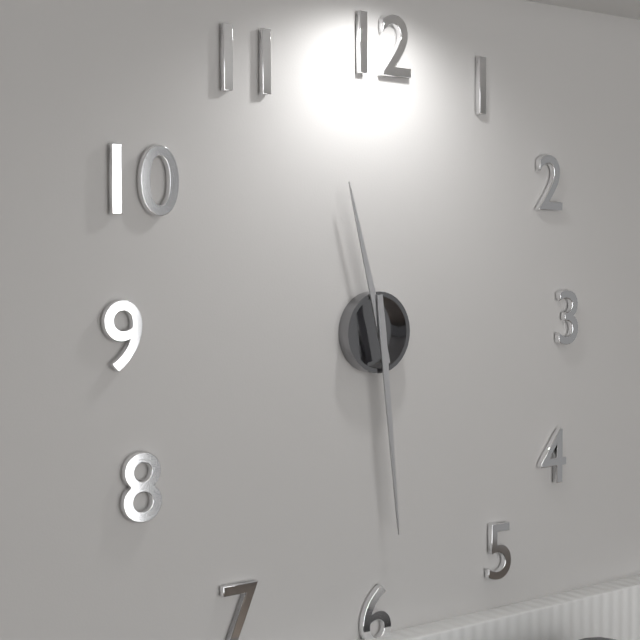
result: h=11 m=29
